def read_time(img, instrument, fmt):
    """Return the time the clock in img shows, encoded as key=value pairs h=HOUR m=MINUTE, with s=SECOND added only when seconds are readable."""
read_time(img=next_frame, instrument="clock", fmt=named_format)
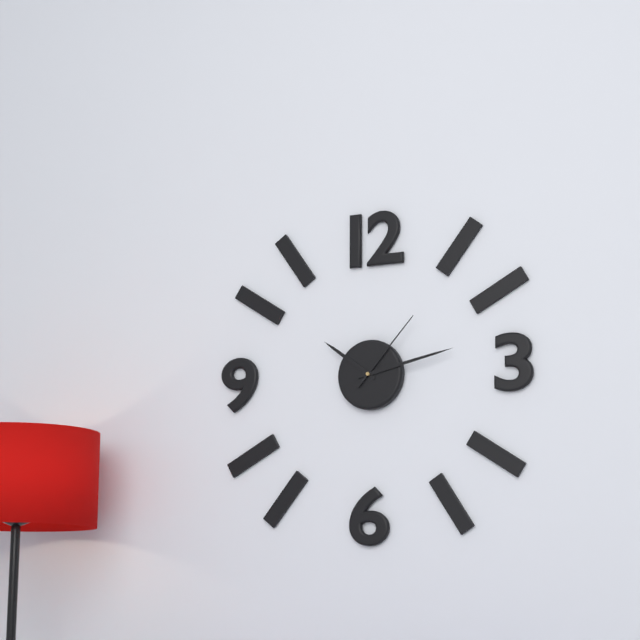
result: h=10 m=13 s=7
